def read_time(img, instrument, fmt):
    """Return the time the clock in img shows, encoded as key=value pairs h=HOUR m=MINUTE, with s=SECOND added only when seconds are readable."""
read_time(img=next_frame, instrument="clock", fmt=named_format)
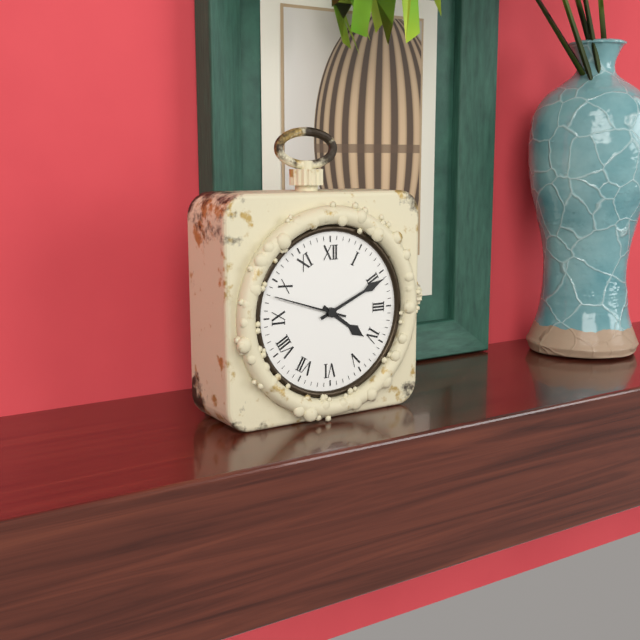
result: h=4 m=11 s=48
